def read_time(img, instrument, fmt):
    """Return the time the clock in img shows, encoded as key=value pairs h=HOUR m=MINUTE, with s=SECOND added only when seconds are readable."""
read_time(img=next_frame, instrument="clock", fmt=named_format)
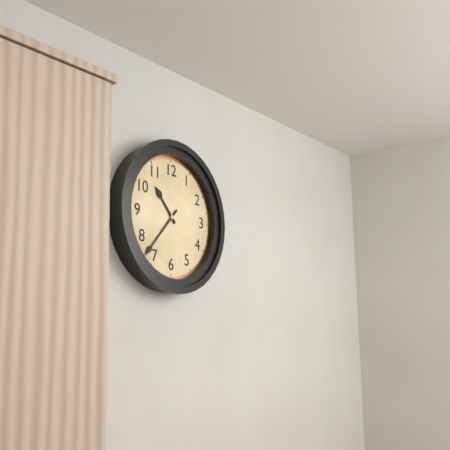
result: h=10 m=37
